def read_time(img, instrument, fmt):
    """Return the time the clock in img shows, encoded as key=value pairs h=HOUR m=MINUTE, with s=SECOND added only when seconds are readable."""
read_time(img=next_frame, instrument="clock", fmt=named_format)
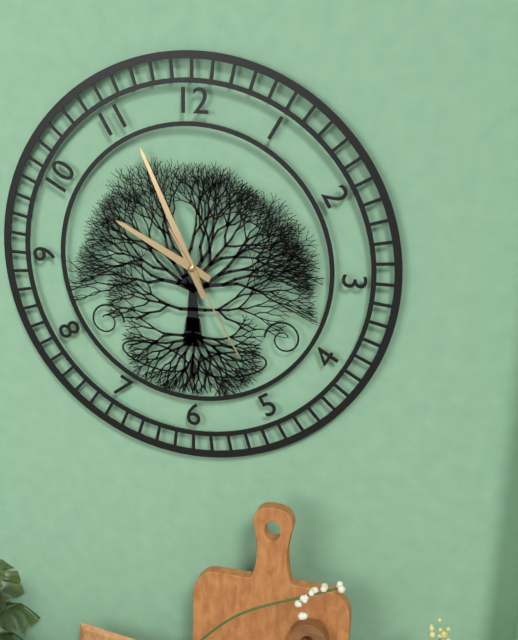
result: h=9 m=56 s=25
